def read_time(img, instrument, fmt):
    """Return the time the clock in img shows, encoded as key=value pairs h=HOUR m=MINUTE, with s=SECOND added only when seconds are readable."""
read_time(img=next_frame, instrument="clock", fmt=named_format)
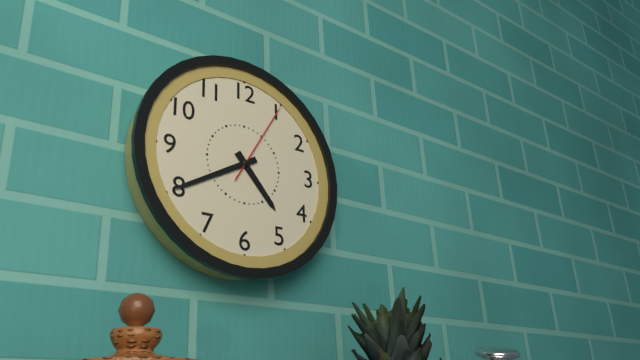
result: h=4 m=40 s=5
